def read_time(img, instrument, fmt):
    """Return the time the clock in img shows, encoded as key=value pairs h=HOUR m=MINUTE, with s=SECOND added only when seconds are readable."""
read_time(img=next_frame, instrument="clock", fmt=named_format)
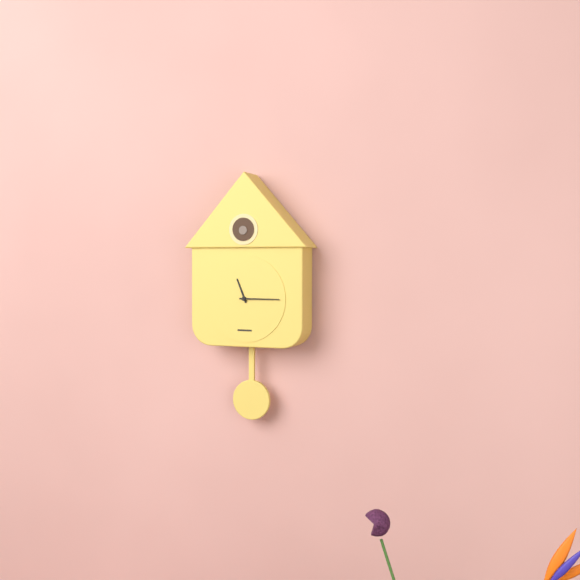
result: h=11 m=15
